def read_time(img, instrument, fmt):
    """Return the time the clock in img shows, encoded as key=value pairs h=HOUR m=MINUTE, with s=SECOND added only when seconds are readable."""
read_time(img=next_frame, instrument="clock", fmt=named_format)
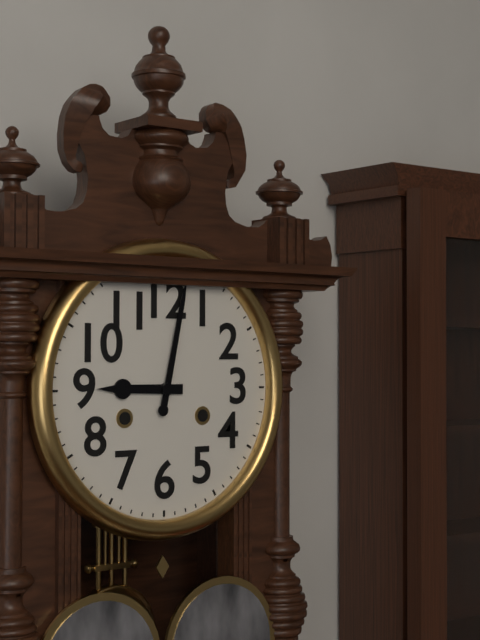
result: h=9 m=2
